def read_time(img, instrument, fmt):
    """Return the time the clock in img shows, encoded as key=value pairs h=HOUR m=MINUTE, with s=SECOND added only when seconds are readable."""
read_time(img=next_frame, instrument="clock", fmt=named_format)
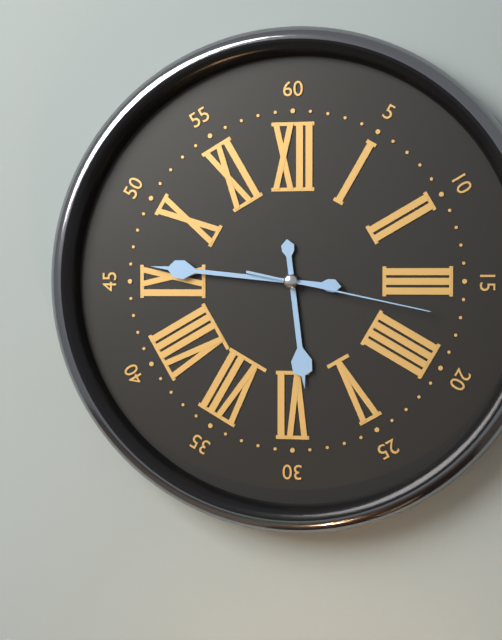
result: h=5 m=46 s=17
